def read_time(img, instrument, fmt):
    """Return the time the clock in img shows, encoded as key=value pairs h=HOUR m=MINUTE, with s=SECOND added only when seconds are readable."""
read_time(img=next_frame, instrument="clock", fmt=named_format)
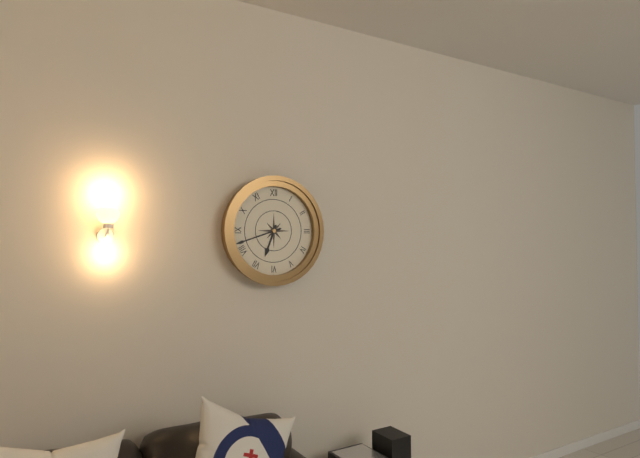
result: h=6 m=42
